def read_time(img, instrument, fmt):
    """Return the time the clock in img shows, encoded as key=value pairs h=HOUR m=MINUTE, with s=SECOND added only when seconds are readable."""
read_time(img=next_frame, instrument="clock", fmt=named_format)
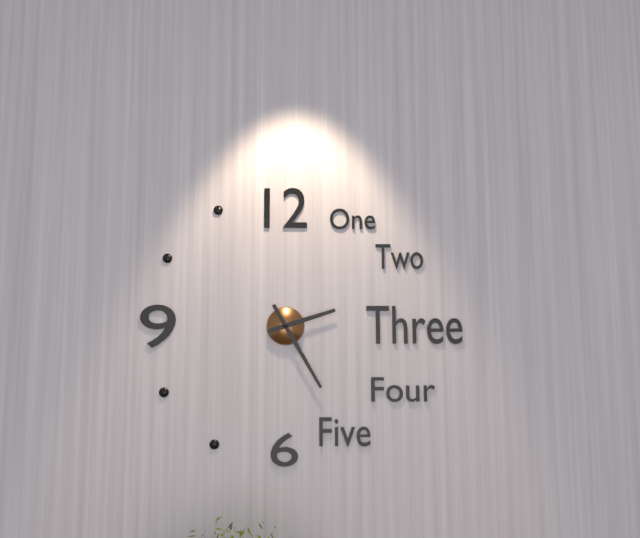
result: h=2 m=25
